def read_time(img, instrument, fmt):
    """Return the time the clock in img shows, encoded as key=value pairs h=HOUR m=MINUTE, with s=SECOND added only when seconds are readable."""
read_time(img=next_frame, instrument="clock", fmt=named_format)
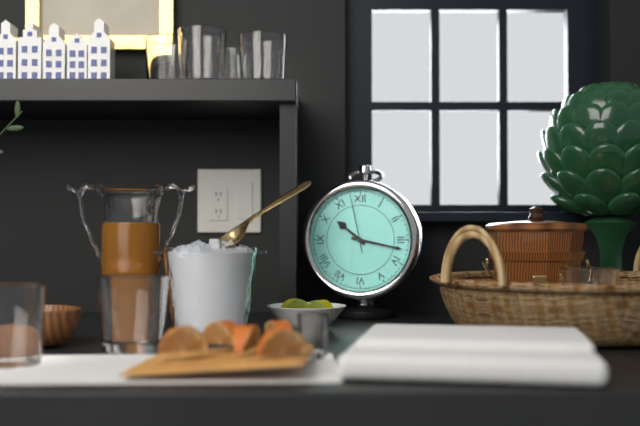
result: h=10 m=17 s=58
